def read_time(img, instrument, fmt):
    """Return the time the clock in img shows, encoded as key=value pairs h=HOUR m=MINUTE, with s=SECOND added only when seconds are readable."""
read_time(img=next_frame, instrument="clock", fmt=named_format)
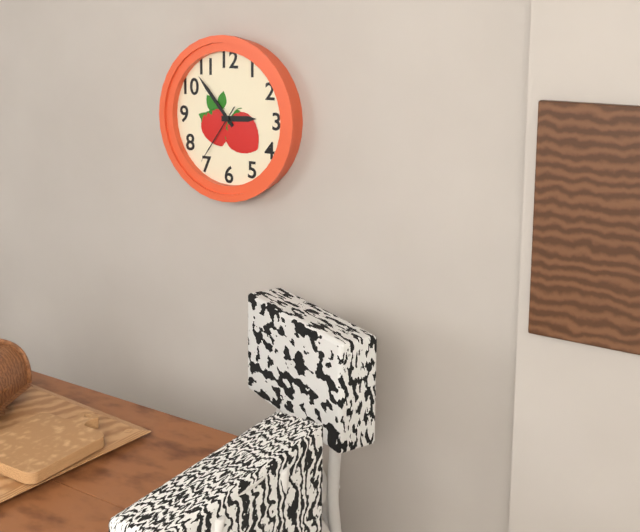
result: h=2 m=53 s=36
